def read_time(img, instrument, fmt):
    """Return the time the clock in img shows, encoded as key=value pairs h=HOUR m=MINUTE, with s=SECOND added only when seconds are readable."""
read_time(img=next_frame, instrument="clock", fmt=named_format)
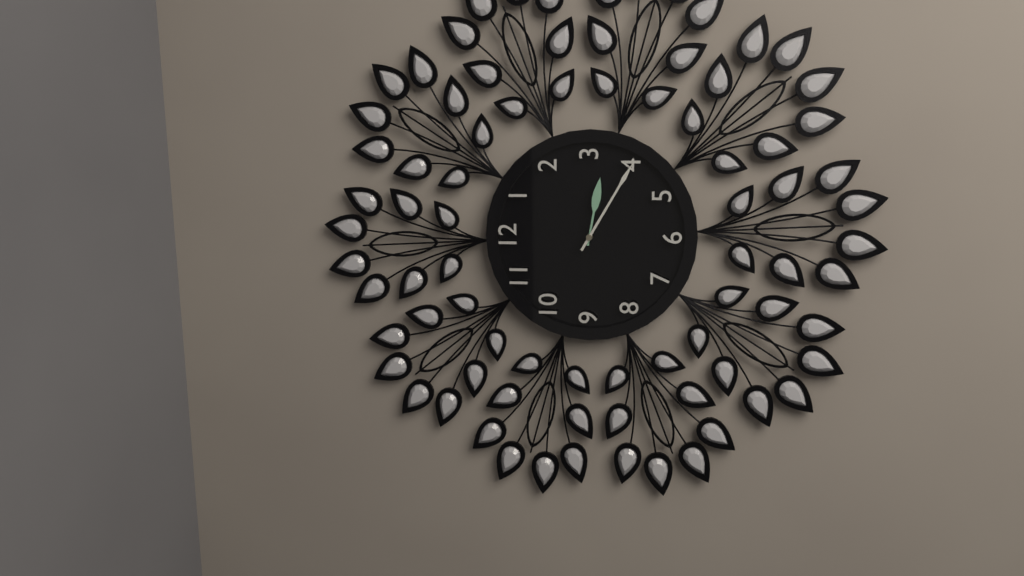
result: h=3 m=20
